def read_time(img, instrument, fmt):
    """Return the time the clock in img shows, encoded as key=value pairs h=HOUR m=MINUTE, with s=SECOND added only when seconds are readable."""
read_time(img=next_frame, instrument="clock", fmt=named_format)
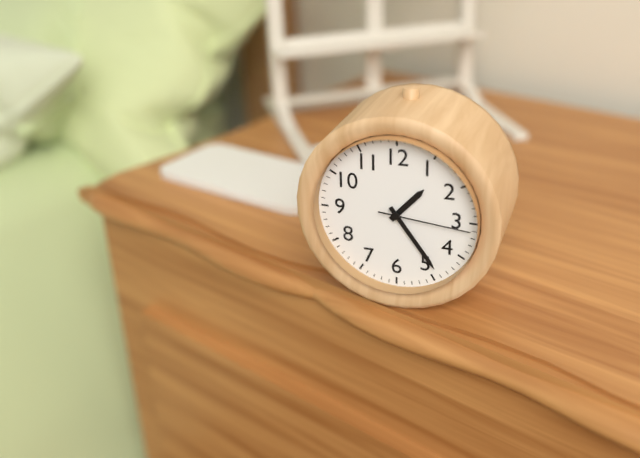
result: h=1 m=24 s=16
